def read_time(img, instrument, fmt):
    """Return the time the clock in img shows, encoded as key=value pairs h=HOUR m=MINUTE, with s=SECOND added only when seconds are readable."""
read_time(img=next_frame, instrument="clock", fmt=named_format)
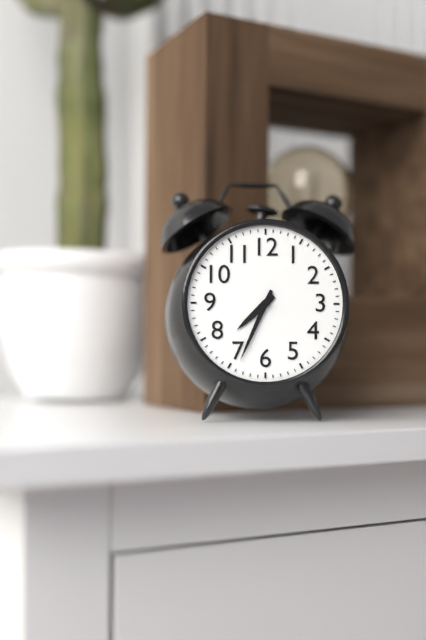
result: h=7 m=34
